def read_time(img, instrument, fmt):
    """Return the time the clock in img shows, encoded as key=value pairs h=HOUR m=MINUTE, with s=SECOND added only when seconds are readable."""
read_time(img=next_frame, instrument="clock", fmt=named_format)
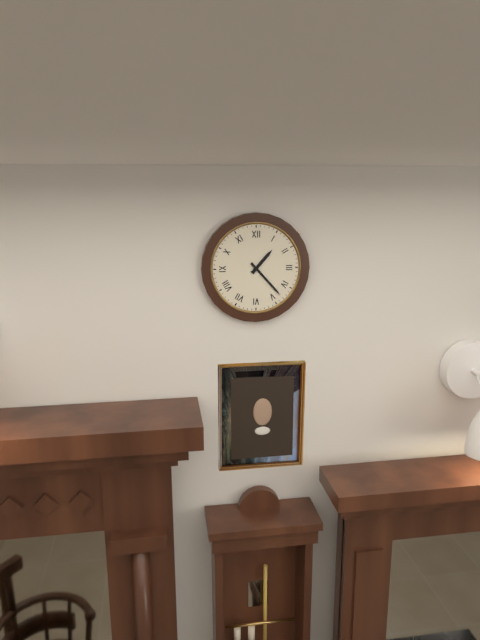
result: h=1 m=23
